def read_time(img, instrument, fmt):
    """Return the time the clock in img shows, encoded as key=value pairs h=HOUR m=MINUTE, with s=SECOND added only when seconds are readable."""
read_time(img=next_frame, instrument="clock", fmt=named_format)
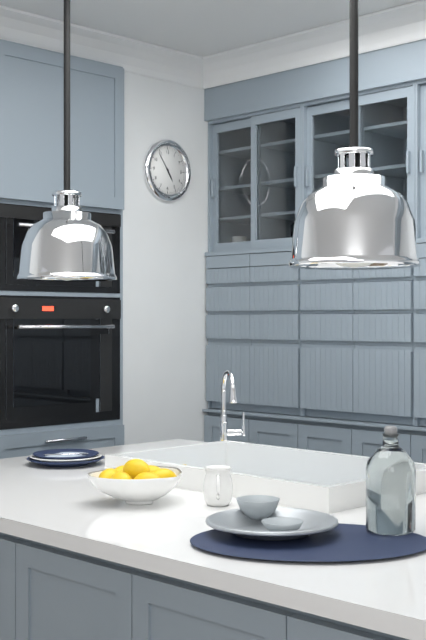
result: h=4 m=54
